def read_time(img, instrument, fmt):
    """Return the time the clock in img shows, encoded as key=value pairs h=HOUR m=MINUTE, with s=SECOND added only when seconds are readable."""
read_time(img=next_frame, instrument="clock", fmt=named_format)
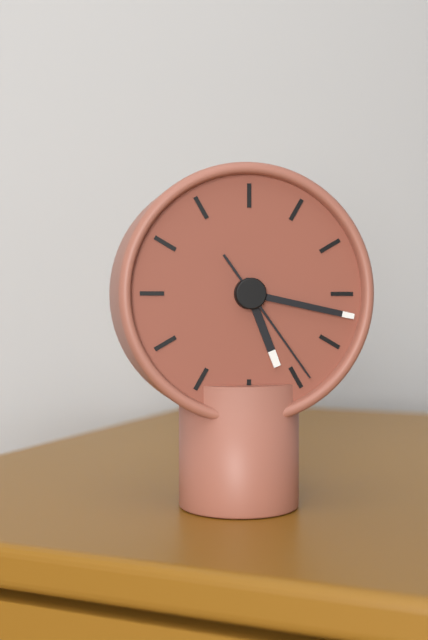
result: h=5 m=17 s=24
